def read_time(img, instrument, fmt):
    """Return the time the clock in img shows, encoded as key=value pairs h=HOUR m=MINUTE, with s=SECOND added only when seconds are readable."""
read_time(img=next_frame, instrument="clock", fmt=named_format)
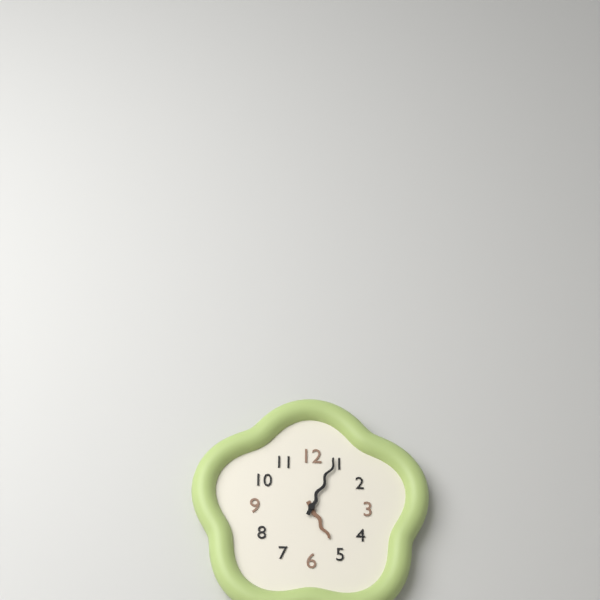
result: h=5 m=4
